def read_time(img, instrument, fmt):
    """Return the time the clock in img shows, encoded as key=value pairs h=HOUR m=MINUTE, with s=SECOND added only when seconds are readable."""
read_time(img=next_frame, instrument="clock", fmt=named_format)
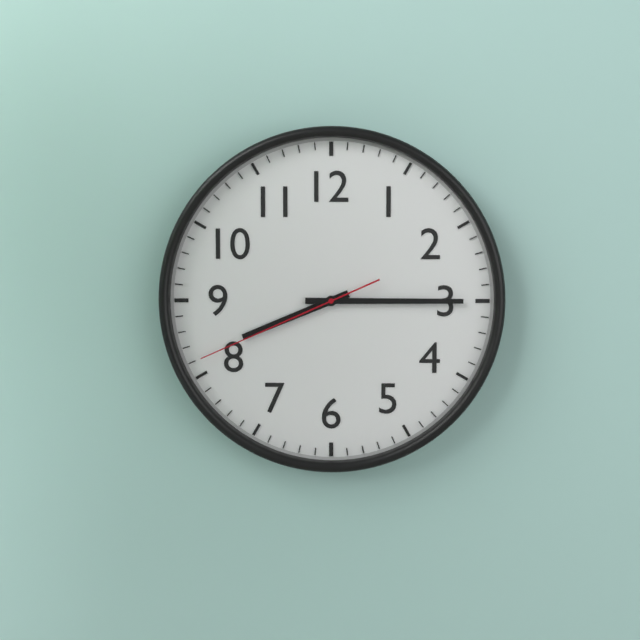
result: h=8 m=15 s=41
